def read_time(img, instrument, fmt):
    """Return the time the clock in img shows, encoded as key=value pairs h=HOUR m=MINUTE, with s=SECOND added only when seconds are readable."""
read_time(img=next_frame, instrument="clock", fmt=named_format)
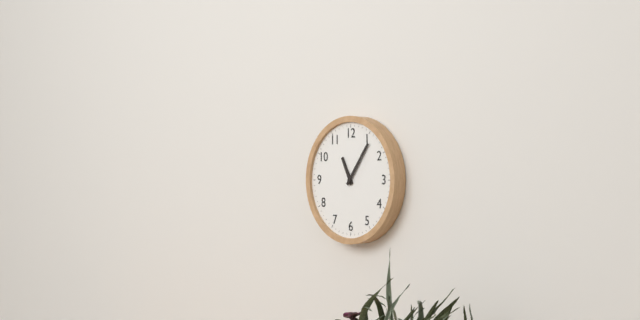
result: h=11 m=6
